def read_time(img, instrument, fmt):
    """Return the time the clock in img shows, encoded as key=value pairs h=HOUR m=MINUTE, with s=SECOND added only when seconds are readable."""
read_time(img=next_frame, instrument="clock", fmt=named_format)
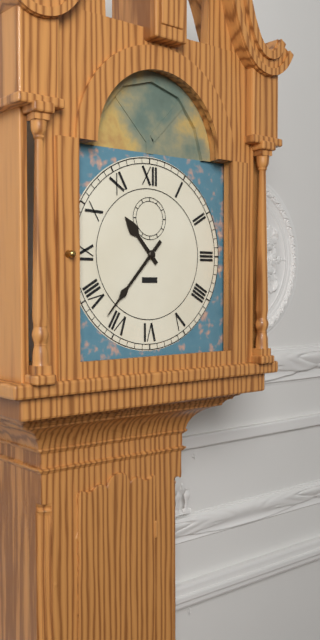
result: h=10 m=37
